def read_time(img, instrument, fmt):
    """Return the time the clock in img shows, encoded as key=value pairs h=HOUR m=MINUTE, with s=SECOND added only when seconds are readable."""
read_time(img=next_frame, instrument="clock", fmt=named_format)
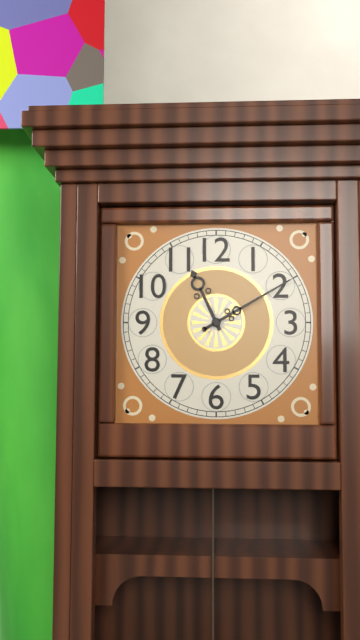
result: h=11 m=10
